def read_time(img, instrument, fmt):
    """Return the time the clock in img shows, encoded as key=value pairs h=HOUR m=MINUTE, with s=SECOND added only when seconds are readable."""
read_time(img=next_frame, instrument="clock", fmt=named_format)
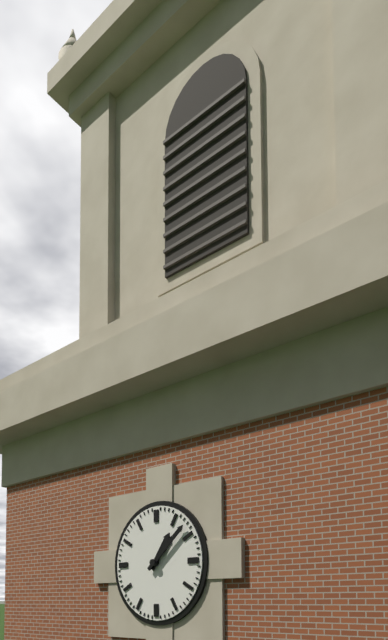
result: h=1 m=8
